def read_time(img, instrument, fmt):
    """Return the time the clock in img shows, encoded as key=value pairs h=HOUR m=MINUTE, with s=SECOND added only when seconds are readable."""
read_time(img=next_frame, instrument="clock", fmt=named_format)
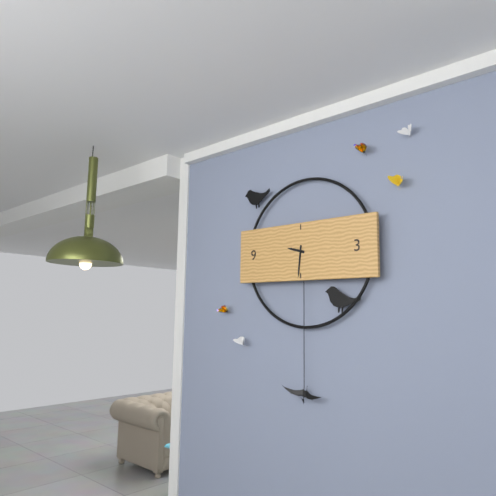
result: h=9 m=31
